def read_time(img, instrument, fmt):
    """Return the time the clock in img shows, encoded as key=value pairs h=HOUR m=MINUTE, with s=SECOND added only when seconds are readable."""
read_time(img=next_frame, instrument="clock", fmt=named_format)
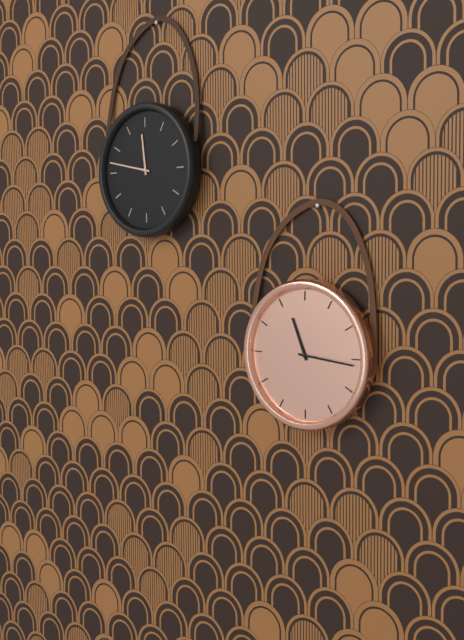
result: h=11 m=16
